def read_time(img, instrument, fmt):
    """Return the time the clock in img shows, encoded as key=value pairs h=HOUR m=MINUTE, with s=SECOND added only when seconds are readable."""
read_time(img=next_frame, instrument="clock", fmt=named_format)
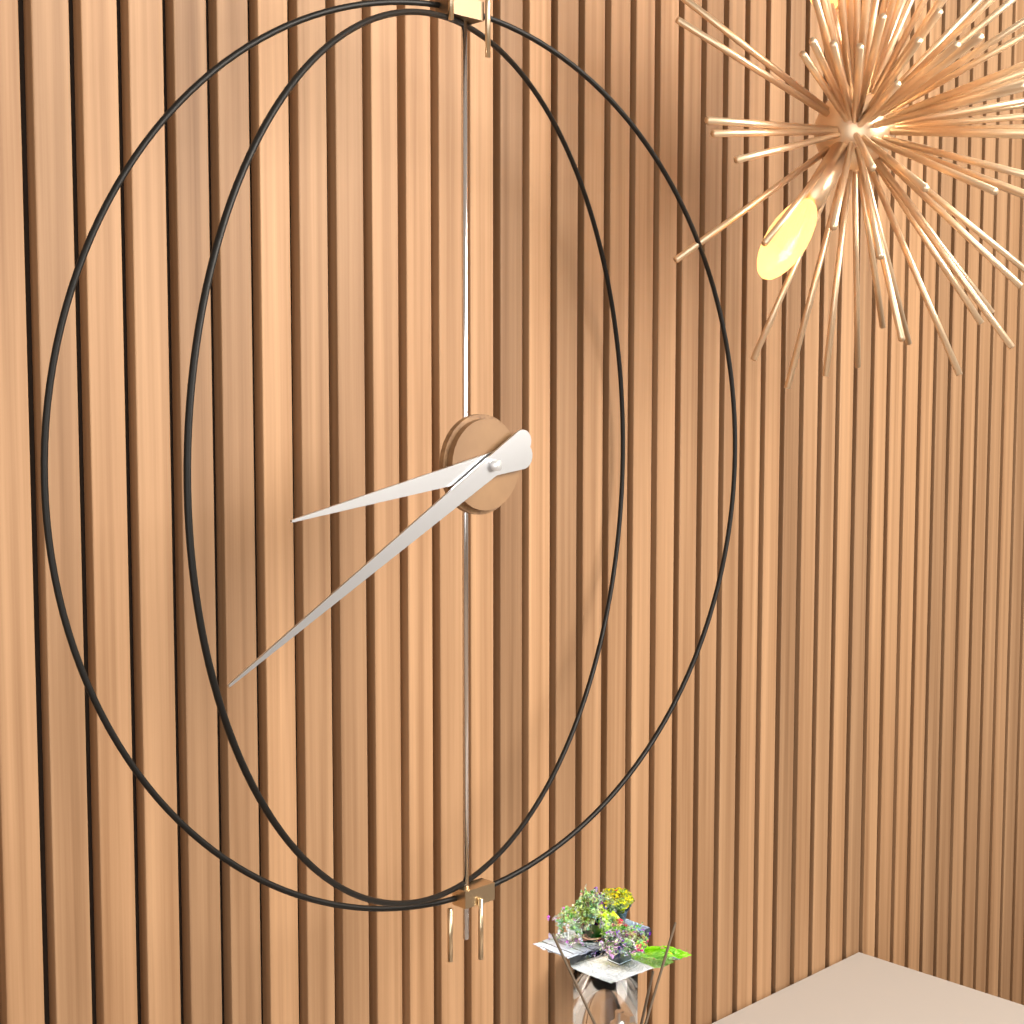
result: h=8 m=40
